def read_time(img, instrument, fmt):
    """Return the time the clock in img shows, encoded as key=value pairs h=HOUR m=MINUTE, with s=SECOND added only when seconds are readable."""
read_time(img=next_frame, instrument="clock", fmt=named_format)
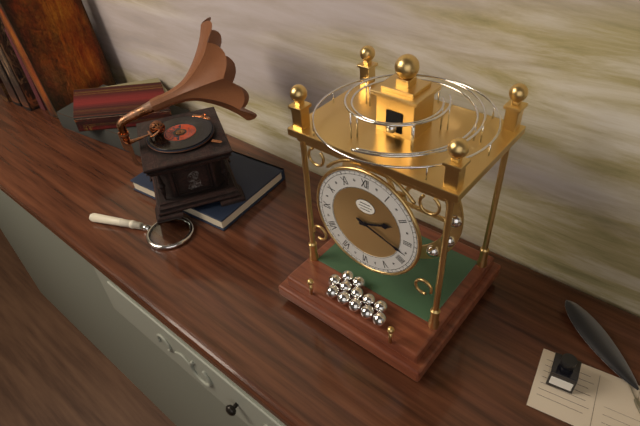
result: h=2 m=18
